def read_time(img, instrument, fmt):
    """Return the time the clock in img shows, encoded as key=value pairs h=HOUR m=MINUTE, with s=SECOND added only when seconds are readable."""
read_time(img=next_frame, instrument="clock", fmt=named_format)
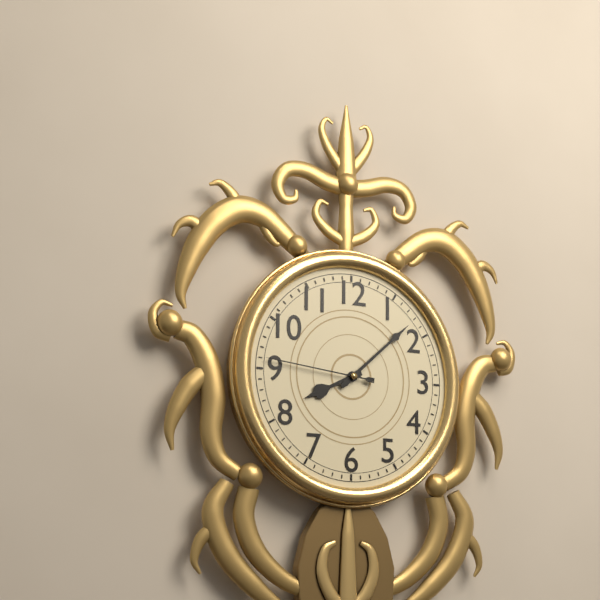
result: h=8 m=8 s=46
